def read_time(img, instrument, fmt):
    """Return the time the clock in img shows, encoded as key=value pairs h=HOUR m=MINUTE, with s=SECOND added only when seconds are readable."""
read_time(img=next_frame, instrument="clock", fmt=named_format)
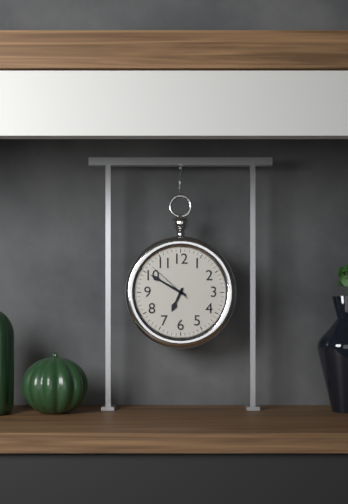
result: h=6 m=50
